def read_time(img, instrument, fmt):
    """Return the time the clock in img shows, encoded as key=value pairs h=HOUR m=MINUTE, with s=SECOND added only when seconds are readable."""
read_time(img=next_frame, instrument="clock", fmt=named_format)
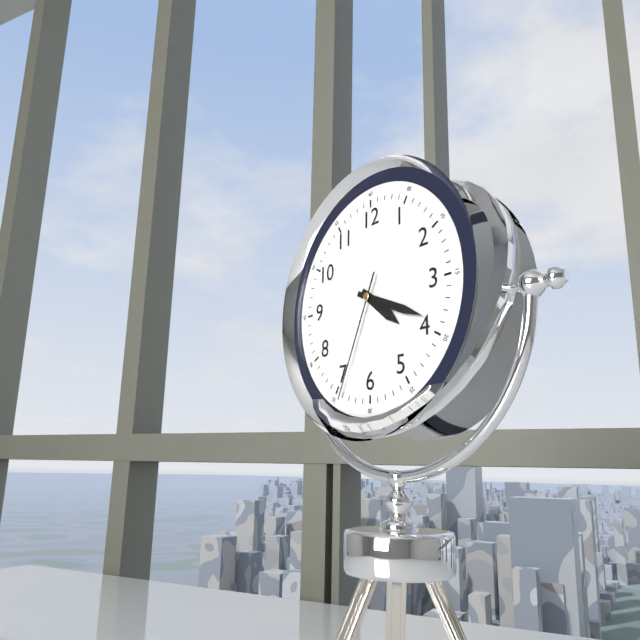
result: h=4 m=19 s=34
